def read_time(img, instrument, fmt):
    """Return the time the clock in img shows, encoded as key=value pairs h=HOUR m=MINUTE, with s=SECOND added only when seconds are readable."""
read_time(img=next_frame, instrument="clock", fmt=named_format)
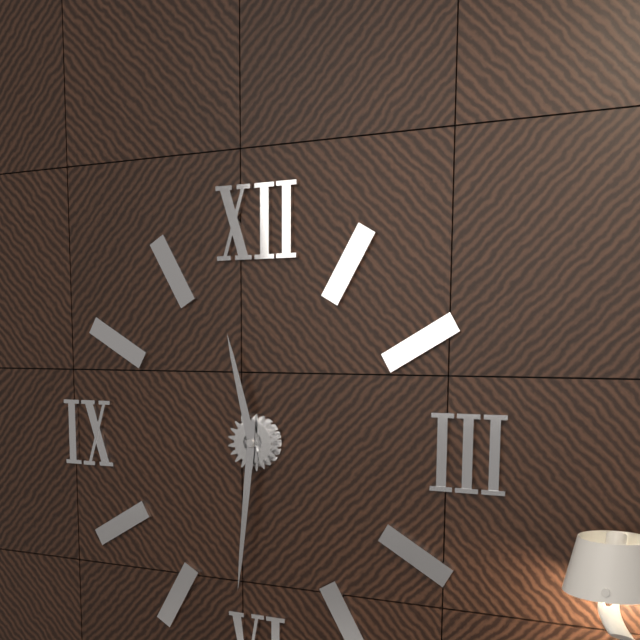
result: h=11 m=31
